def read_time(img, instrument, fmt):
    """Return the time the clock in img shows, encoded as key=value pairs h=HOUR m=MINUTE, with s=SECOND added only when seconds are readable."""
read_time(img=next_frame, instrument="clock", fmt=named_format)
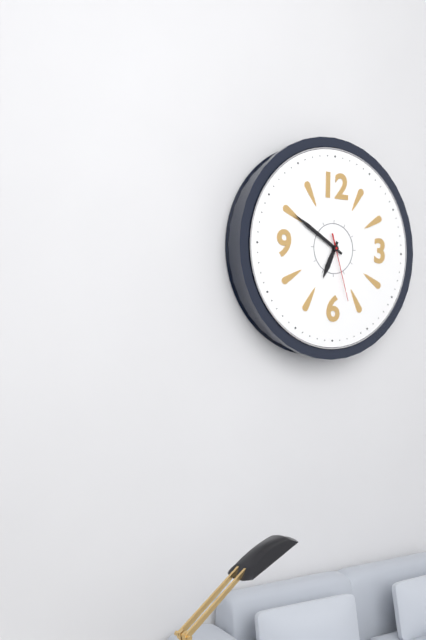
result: h=6 m=50 s=27
